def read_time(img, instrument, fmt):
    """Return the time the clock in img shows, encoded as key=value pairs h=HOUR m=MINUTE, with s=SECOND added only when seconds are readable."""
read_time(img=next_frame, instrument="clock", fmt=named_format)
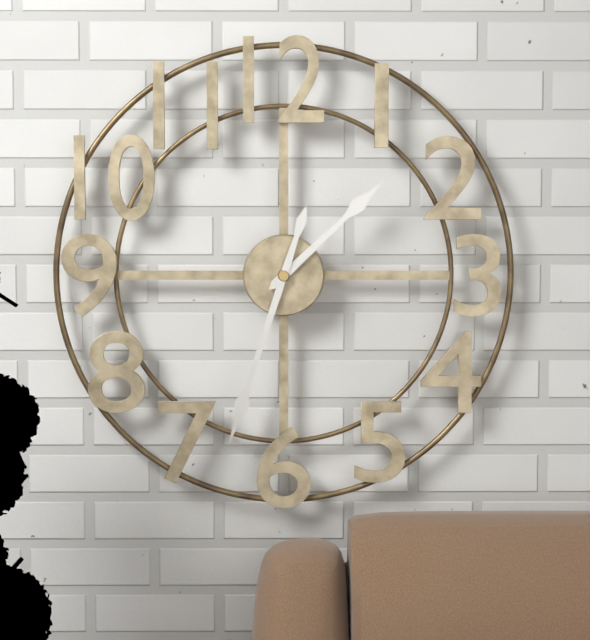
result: h=1 m=33
